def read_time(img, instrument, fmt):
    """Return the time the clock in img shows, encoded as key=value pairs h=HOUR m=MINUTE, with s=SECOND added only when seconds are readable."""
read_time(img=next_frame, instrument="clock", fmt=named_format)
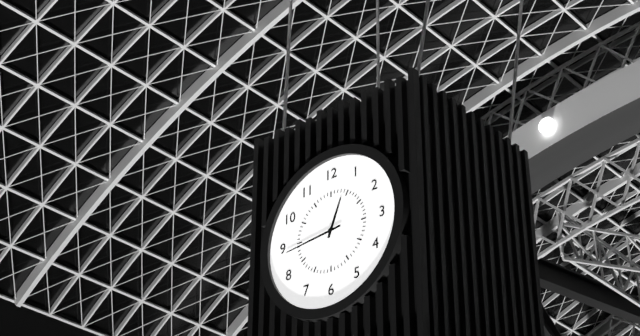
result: h=12 m=44
